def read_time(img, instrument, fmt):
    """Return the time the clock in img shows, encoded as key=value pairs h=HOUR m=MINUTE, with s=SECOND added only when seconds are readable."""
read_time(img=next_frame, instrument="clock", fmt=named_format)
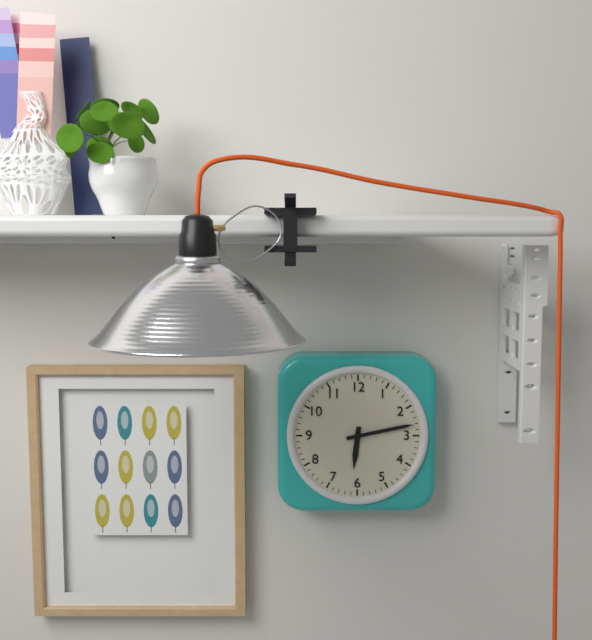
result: h=6 m=13
